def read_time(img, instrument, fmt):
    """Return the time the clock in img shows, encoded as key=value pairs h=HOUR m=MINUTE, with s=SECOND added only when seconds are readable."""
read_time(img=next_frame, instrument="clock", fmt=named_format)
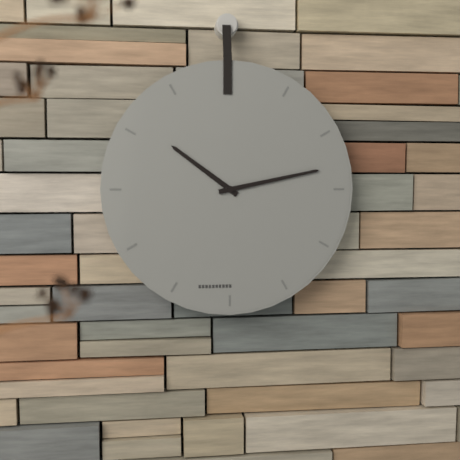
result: h=10 m=13
